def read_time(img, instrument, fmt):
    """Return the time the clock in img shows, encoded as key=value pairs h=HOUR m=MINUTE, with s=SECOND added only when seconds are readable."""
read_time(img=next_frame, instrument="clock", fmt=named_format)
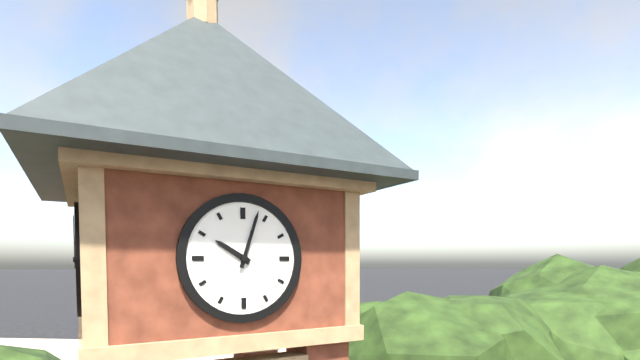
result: h=10 m=3
